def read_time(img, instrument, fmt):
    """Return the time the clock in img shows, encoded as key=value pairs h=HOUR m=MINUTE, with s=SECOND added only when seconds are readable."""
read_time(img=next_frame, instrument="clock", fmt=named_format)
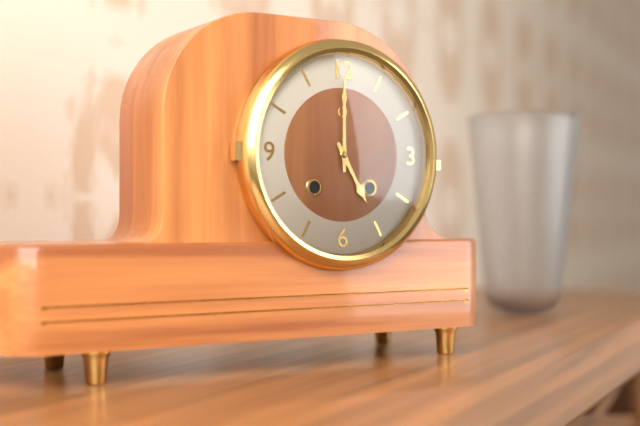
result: h=5 m=0
